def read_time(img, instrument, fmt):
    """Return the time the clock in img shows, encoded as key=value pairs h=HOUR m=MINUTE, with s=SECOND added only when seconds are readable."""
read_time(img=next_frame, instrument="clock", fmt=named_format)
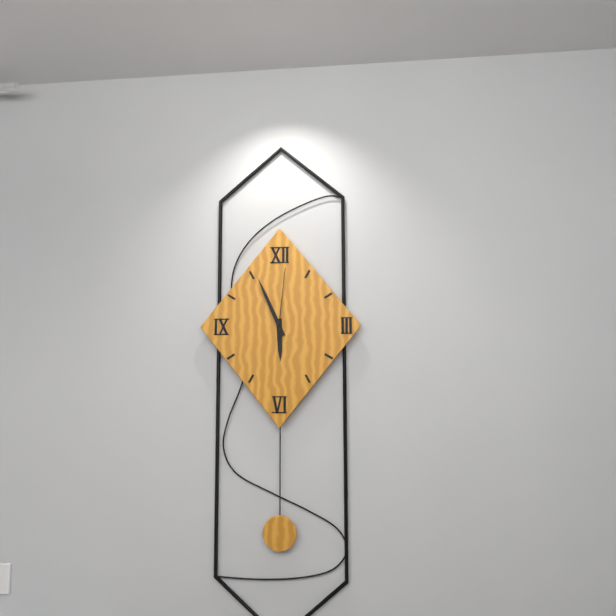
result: h=5 m=56 s=1
